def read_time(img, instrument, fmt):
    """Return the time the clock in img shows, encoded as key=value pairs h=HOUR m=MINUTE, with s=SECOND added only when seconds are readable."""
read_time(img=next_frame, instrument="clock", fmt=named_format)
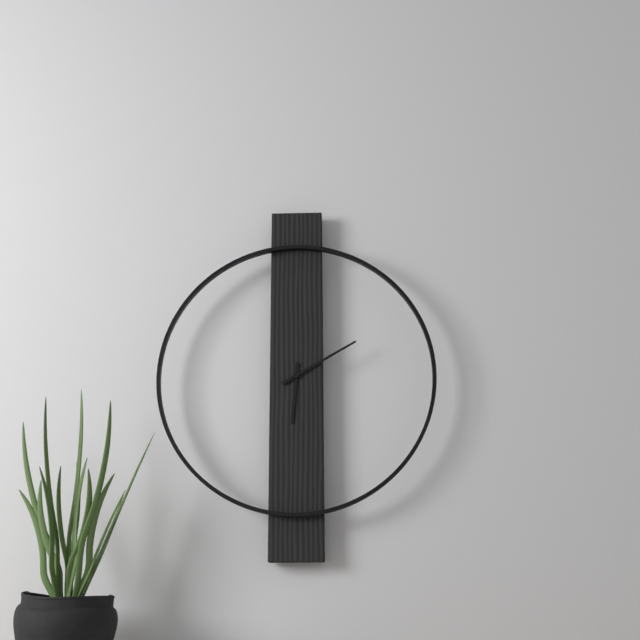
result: h=6 m=10
